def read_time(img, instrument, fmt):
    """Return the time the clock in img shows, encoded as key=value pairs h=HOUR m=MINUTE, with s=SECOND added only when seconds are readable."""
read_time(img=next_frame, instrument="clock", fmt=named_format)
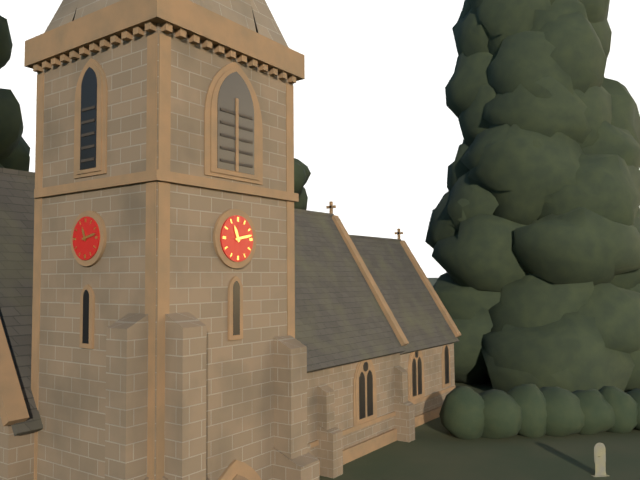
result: h=11 m=13
